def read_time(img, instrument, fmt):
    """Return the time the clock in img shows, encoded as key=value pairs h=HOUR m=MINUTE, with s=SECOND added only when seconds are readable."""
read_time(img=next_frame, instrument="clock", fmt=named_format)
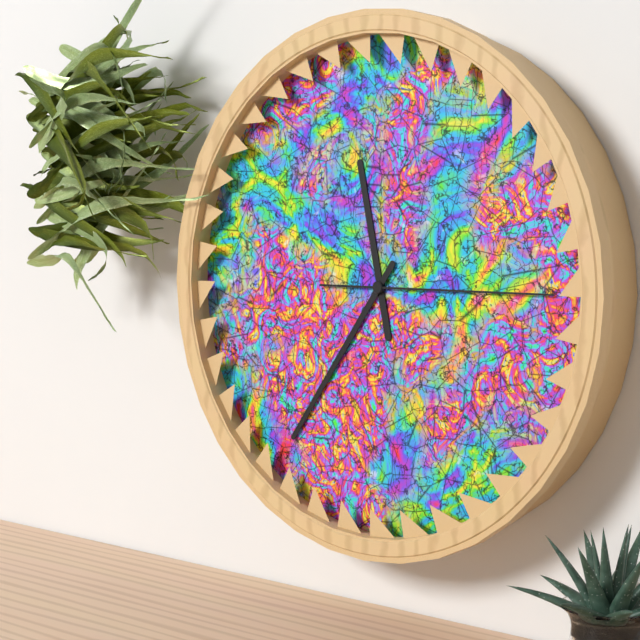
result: h=11 m=36 s=15
